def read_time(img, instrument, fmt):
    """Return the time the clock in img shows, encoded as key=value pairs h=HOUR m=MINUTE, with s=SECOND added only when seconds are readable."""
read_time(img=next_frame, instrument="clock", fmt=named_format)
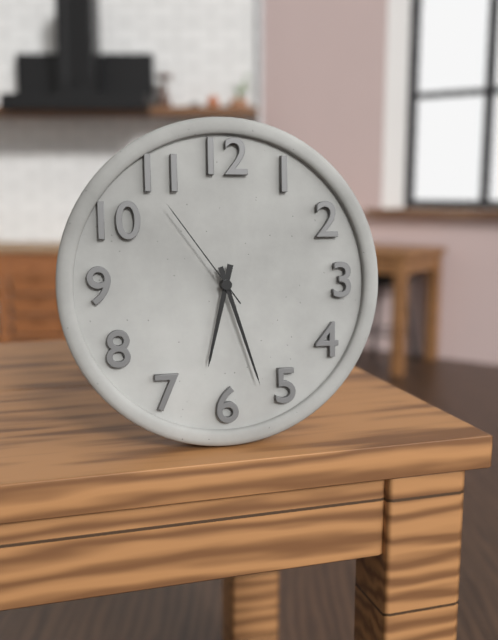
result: h=6 m=27 s=54
